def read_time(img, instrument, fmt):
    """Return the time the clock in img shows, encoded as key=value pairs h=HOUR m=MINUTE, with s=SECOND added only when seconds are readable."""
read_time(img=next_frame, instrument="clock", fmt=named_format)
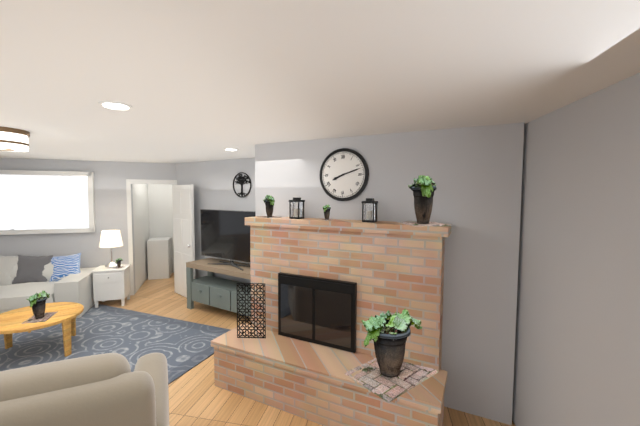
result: h=8 m=12
